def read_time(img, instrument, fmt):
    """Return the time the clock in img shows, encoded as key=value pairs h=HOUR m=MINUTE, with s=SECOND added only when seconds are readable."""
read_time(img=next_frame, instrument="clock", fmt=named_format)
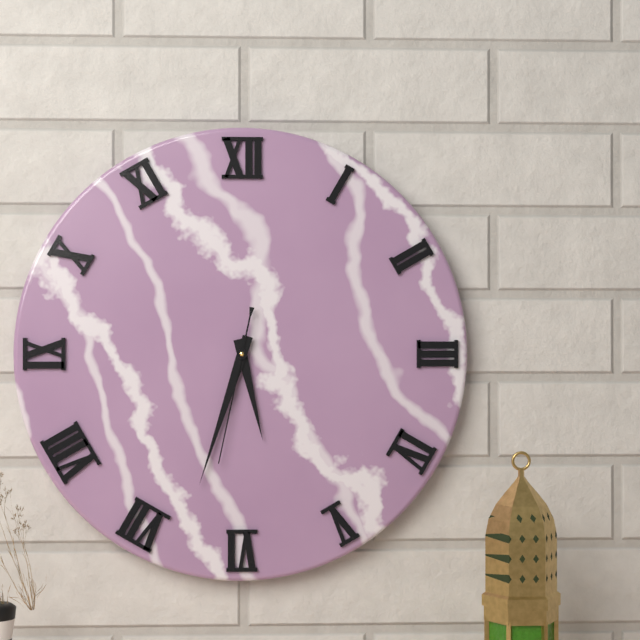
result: h=5 m=33 s=32
